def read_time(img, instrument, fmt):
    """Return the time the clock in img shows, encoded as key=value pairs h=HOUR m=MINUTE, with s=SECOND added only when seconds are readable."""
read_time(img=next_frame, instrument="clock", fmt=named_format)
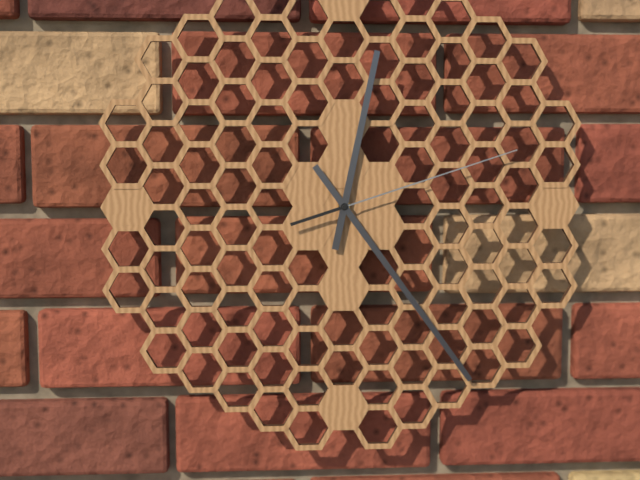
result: h=12 m=24 s=12
